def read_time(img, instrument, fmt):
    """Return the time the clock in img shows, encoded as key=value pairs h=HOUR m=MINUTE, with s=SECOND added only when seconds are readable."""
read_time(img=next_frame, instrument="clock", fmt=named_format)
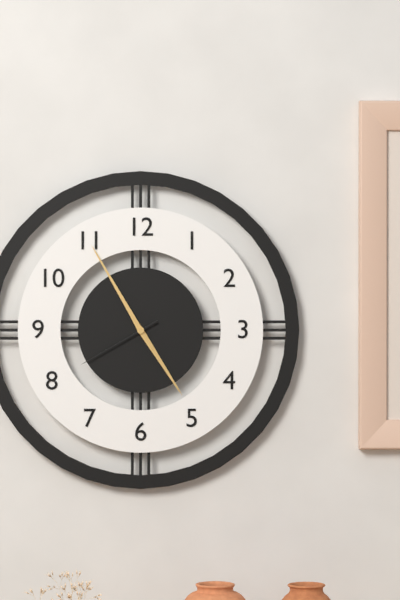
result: h=4 m=55 s=40
